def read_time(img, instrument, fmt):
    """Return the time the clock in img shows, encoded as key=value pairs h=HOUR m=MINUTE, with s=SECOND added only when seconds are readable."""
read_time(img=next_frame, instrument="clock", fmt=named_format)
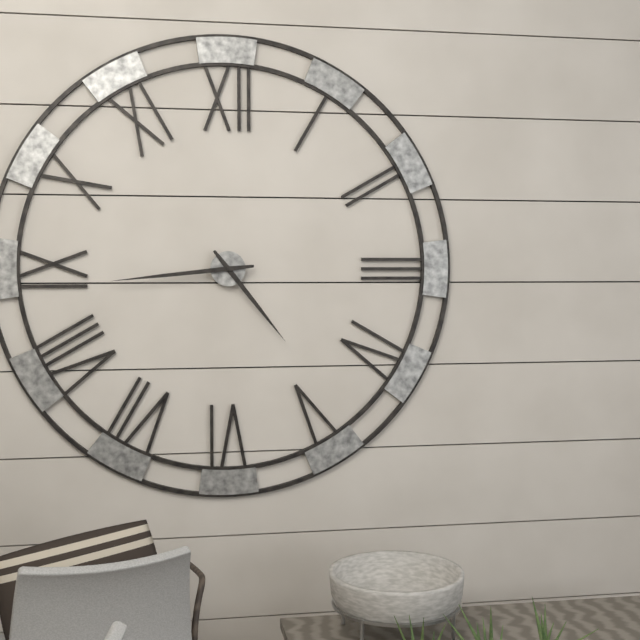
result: h=4 m=44
